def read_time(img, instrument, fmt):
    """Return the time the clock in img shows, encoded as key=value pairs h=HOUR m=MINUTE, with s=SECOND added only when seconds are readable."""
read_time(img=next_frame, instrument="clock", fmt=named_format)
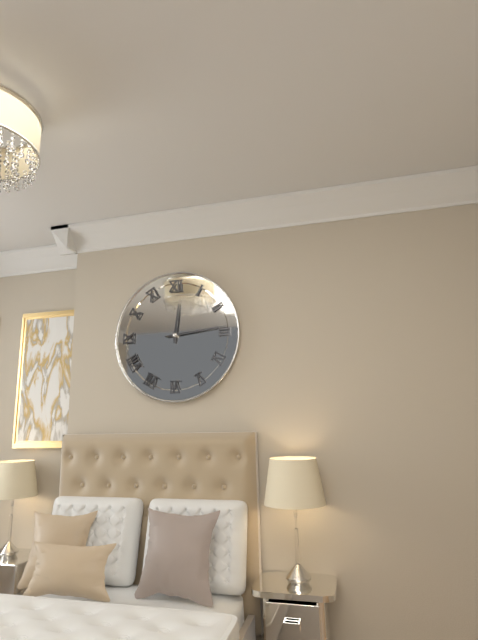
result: h=12 m=14
